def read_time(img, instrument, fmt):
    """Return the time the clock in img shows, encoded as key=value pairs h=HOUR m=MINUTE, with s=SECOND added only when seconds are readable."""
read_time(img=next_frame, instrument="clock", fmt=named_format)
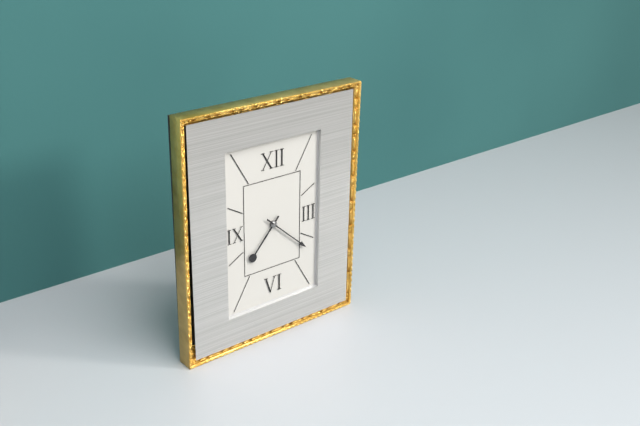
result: h=7 m=22
